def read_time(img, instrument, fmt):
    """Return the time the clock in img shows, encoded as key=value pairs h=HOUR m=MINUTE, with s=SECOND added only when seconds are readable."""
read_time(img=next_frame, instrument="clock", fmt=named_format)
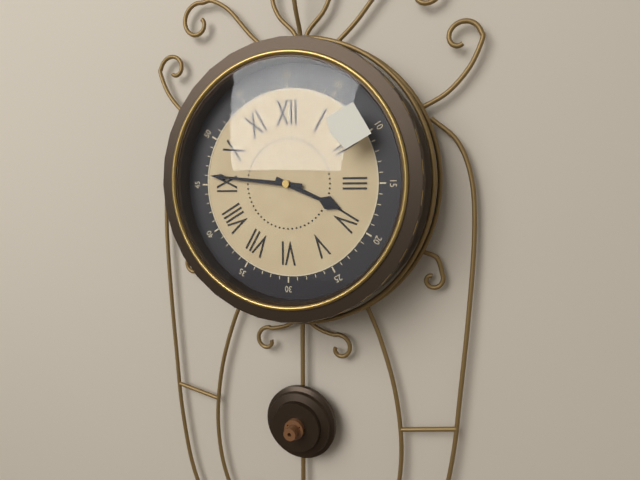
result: h=3 m=46
